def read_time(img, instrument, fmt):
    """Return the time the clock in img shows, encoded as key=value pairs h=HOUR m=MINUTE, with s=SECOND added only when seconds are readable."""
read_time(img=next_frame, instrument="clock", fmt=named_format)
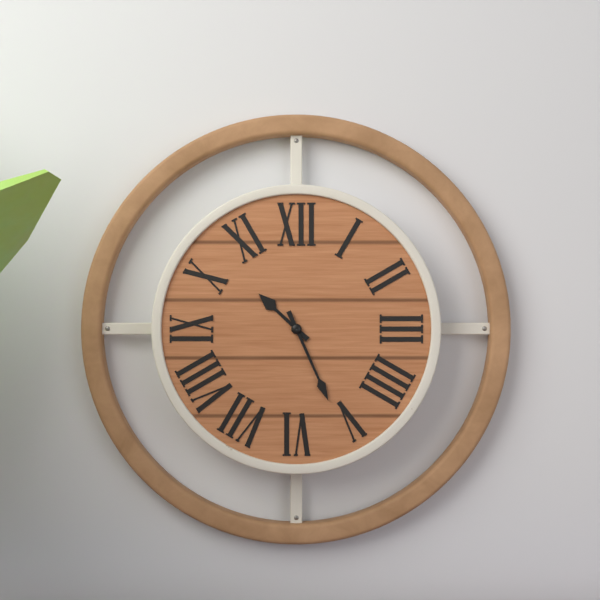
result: h=10 m=26
